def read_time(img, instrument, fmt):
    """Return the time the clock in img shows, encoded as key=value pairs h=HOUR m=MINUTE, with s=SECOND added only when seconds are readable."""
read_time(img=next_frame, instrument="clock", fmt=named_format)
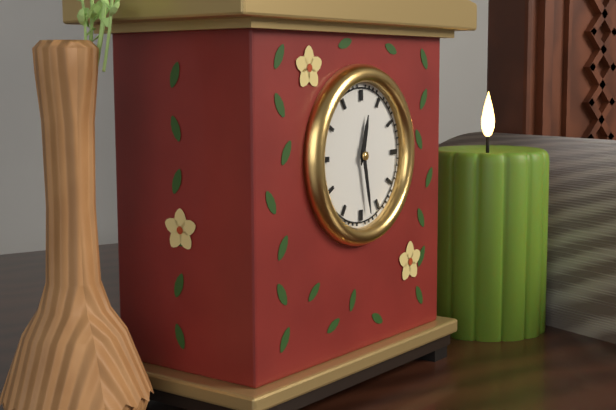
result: h=12 m=28
